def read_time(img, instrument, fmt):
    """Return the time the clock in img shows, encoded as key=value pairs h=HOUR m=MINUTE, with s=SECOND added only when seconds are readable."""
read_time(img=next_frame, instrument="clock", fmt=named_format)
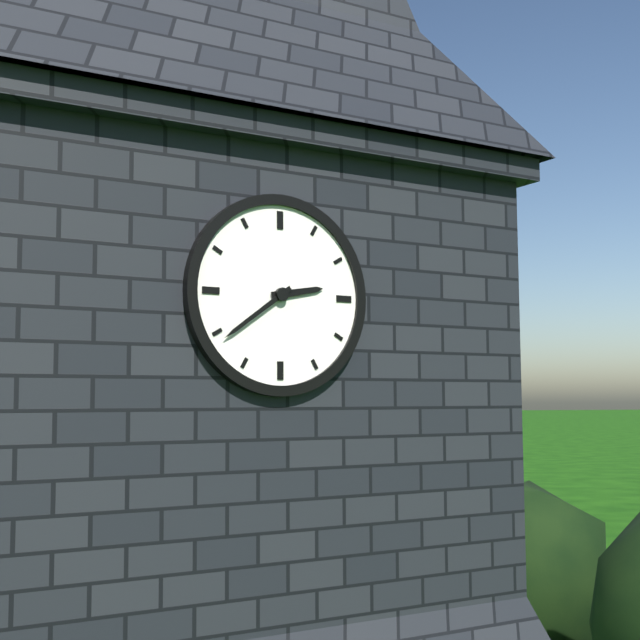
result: h=2 m=39
